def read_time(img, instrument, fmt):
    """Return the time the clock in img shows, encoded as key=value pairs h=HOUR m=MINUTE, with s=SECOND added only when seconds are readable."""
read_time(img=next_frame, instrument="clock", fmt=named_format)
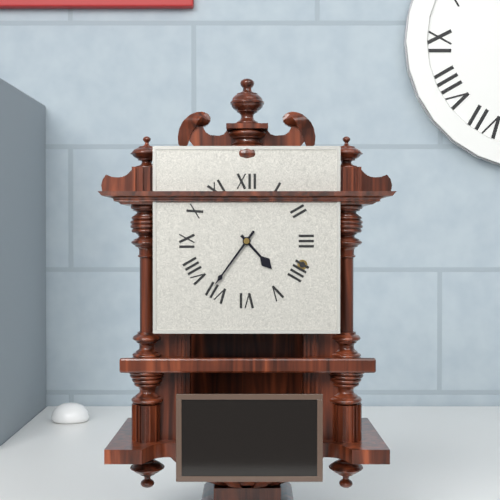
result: h=4 m=36
